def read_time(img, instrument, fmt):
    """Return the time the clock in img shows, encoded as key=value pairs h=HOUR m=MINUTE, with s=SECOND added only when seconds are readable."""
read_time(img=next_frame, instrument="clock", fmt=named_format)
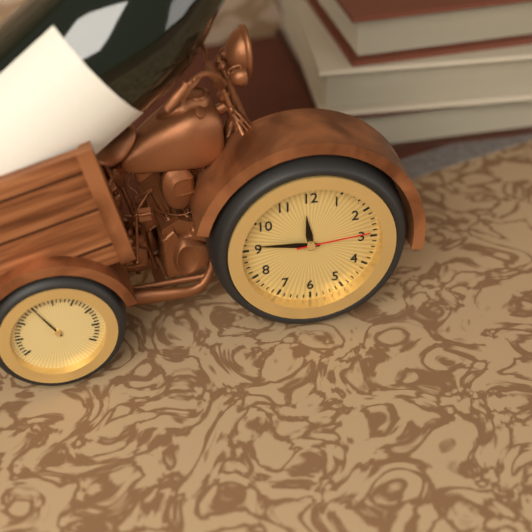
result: h=11 m=46 s=14
